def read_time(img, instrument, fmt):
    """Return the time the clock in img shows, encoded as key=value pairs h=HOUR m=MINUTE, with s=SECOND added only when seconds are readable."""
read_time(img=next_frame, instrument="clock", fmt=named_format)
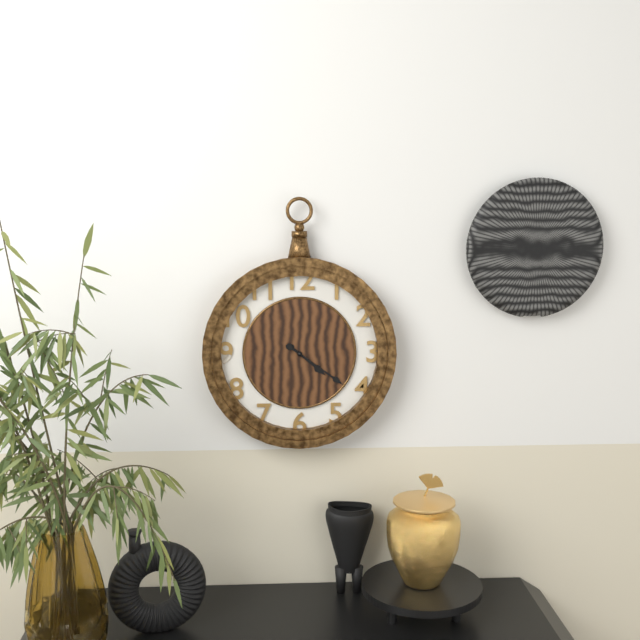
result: h=4 m=21
